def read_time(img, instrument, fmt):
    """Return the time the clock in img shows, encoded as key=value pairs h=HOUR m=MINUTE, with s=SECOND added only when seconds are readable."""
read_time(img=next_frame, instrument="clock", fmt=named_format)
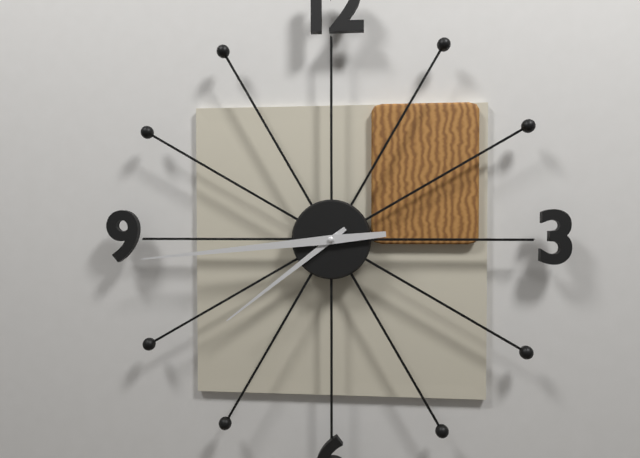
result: h=7 m=44
